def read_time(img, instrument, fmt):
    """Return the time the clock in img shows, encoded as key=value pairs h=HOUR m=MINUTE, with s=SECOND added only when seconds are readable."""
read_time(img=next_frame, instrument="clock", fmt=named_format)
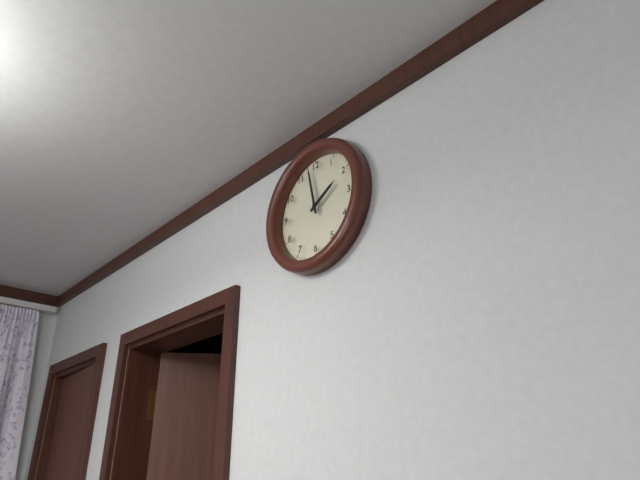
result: h=1 m=58
